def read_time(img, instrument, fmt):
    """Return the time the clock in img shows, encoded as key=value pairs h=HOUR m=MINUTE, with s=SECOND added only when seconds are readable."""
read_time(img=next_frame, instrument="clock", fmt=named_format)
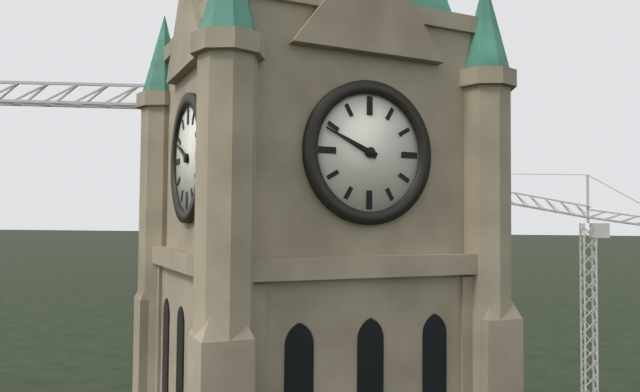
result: h=9 m=49
